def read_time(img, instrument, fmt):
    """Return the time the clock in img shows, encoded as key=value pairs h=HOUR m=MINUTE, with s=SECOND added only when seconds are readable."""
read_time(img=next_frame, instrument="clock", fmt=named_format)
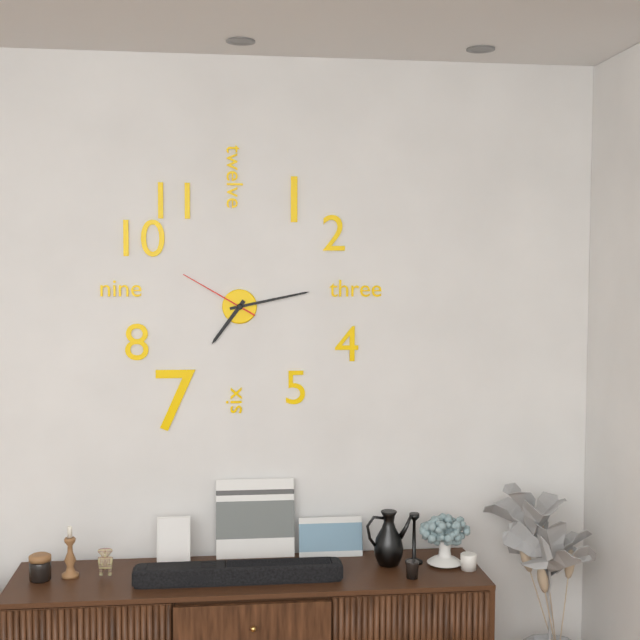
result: h=7 m=13 s=50
